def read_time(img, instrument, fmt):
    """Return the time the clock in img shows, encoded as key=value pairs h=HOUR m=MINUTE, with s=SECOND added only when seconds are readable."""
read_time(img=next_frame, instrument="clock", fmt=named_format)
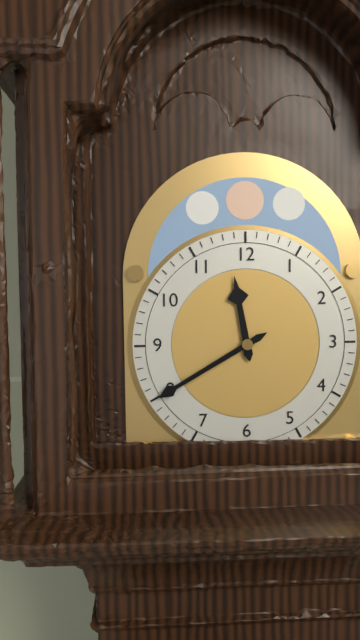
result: h=11 m=40
